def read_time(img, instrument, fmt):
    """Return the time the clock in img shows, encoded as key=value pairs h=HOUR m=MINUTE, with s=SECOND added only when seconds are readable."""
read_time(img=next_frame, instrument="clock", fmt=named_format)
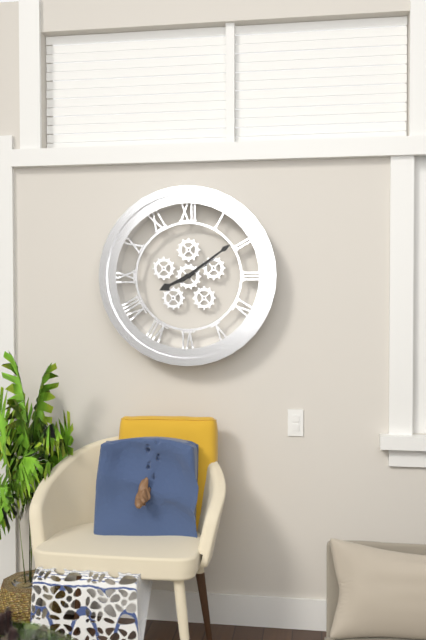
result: h=8 m=9
